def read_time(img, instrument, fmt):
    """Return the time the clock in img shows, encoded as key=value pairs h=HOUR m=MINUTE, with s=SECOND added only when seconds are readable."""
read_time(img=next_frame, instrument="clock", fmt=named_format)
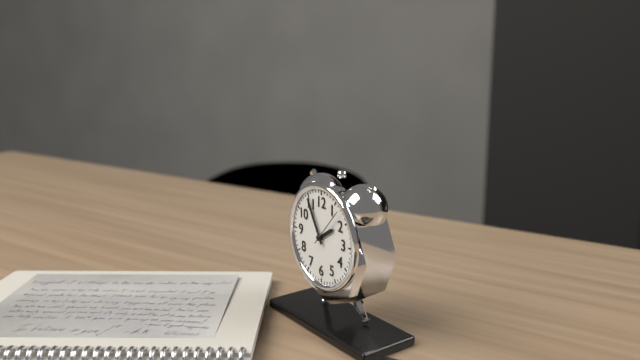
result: h=1 m=55
